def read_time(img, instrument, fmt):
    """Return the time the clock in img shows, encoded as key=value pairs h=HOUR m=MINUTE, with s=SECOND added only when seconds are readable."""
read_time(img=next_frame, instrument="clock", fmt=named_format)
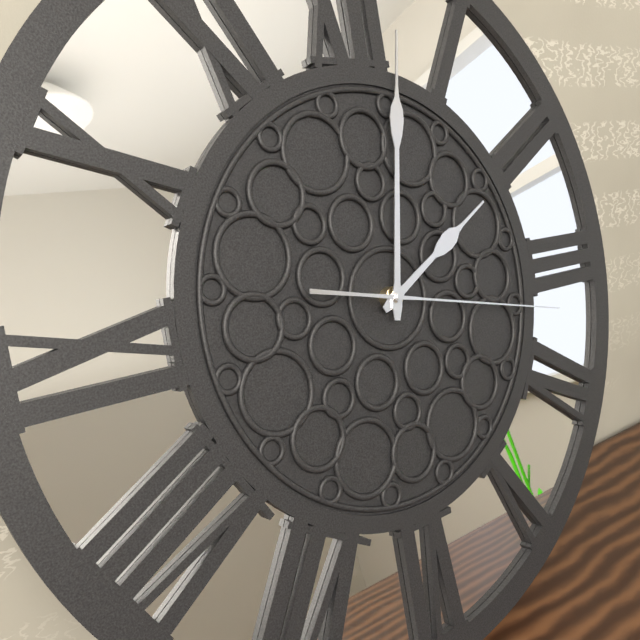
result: h=2 m=2 s=17
